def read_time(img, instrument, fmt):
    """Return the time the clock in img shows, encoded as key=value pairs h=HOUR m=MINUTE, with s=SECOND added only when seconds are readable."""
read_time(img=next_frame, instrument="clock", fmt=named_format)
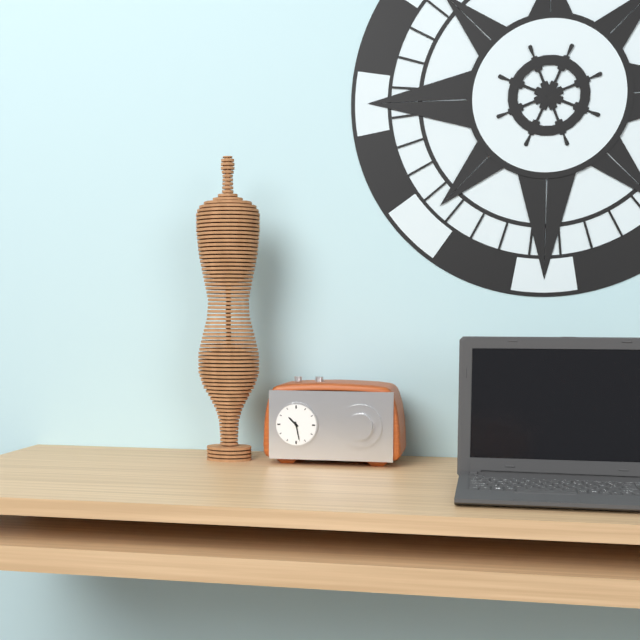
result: h=10 m=28
